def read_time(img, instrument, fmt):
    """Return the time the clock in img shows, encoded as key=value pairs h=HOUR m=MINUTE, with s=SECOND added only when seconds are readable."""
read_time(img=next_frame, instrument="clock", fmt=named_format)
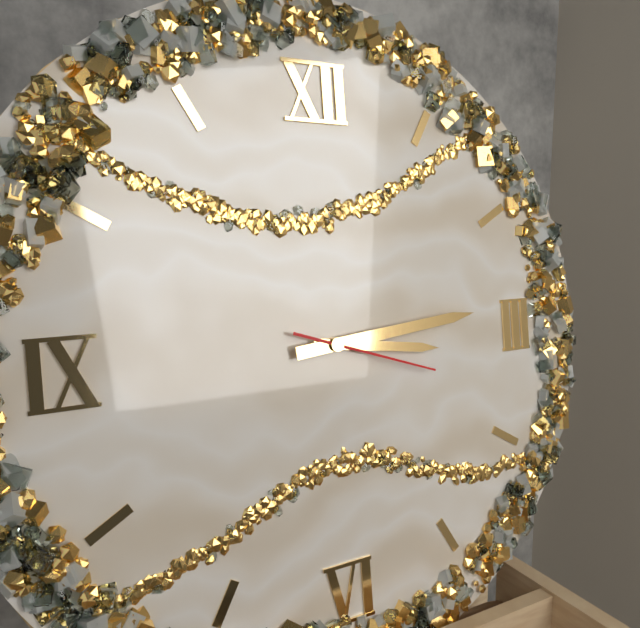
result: h=3 m=14 s=18
